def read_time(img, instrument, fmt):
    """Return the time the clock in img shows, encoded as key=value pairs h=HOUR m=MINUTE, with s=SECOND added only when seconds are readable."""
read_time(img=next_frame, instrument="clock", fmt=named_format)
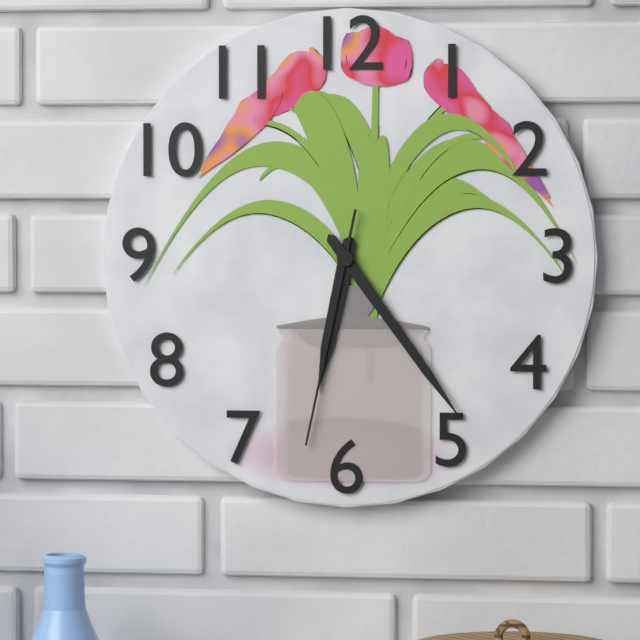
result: h=6 m=24 s=32
